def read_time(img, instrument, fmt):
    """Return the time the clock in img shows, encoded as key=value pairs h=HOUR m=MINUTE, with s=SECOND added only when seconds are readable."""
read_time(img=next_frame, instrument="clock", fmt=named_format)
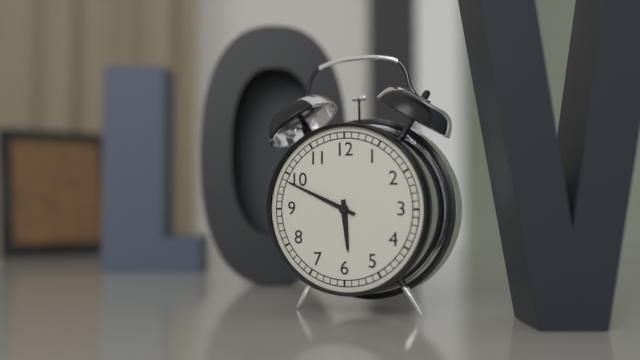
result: h=5 m=49
